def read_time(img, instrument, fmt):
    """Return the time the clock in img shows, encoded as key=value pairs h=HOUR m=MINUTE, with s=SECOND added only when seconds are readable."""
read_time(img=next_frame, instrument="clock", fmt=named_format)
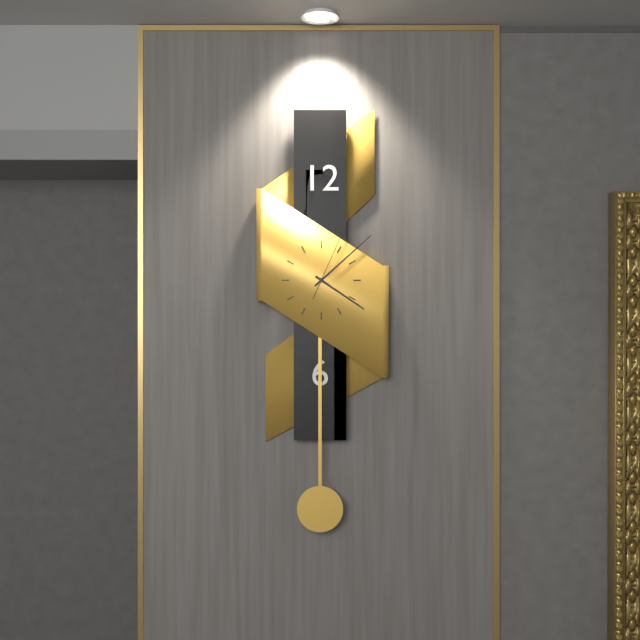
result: h=4 m=8 s=4
